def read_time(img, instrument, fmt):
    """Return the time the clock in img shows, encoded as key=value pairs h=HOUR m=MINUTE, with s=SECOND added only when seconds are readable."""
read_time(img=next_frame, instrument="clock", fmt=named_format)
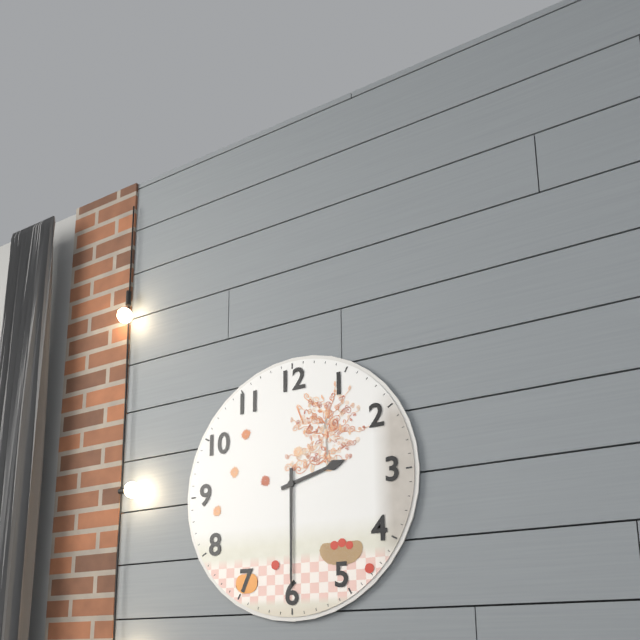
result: h=2 m=30
